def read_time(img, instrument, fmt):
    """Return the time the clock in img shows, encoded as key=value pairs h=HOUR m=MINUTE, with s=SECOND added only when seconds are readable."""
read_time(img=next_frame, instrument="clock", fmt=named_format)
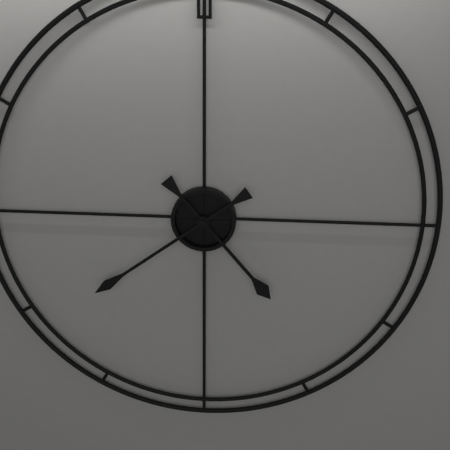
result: h=4 m=39
